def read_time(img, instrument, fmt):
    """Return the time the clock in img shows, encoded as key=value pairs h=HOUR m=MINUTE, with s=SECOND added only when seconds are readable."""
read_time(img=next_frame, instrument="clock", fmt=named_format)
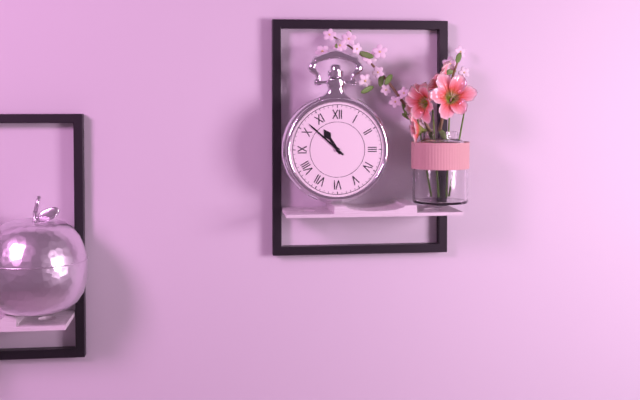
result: h=10 m=52
